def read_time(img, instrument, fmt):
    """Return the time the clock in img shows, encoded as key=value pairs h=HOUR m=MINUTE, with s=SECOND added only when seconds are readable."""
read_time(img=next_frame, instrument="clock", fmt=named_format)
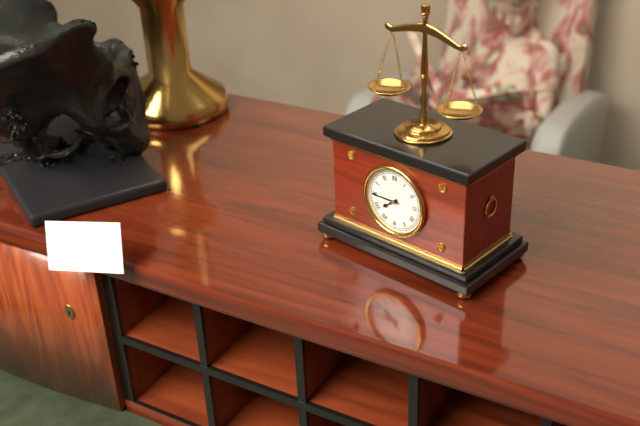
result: h=7 m=45
